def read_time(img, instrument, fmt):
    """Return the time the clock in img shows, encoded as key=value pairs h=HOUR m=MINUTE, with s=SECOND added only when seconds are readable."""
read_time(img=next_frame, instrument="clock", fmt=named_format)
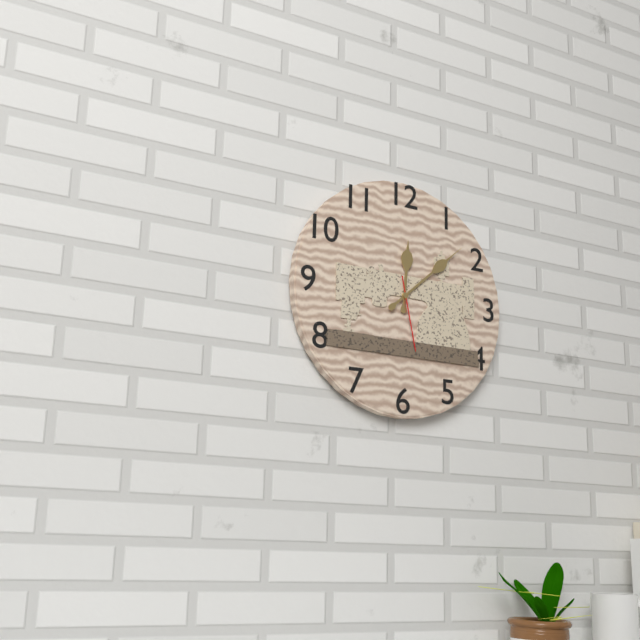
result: h=12 m=8 s=28
